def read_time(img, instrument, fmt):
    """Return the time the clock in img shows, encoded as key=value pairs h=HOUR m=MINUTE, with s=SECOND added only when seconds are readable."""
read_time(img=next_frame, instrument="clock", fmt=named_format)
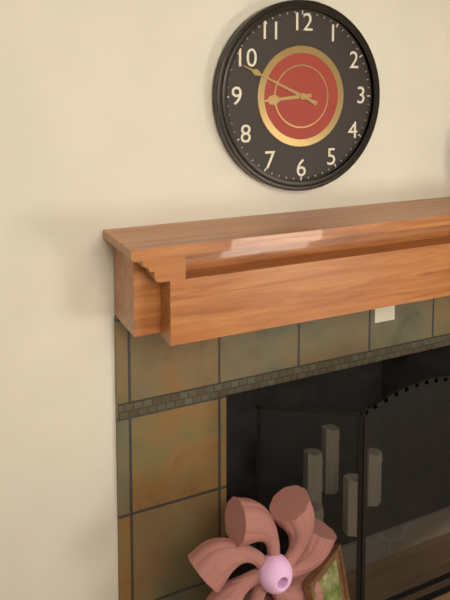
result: h=8 m=49
